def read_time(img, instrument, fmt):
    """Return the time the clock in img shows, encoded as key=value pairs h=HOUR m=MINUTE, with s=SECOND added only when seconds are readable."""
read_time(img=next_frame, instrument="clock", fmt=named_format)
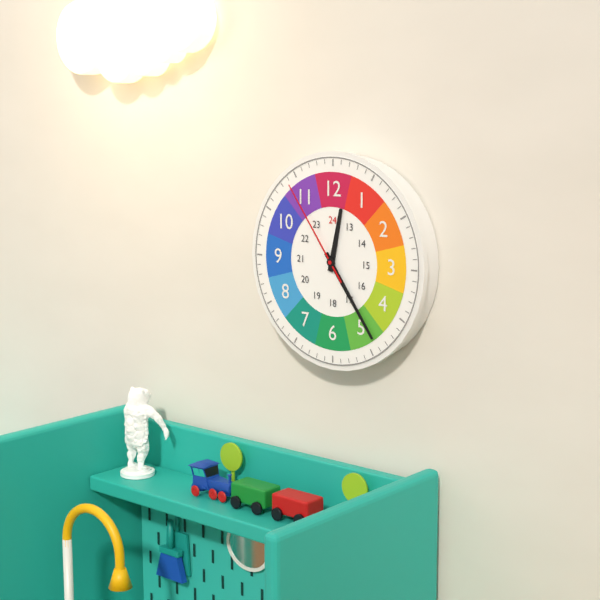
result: h=12 m=24 s=54
